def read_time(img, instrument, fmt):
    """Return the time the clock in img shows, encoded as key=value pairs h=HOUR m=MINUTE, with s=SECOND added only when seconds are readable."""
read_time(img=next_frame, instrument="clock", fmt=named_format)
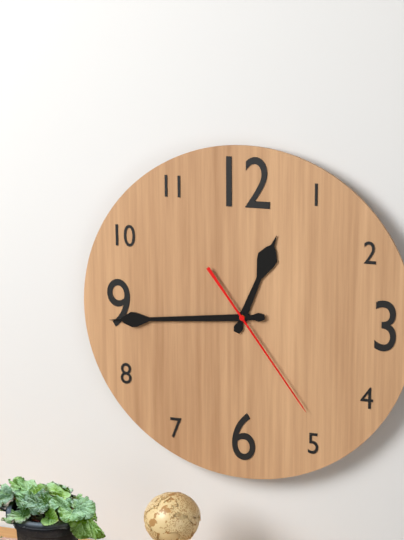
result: h=12 m=44 s=24
